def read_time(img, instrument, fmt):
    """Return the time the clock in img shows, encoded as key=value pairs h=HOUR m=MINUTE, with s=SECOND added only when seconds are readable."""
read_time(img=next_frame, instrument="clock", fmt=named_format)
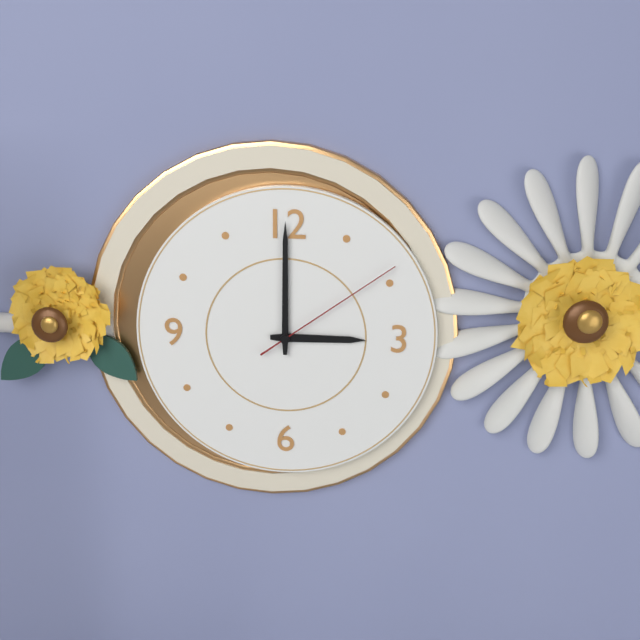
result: h=3 m=0 s=9
